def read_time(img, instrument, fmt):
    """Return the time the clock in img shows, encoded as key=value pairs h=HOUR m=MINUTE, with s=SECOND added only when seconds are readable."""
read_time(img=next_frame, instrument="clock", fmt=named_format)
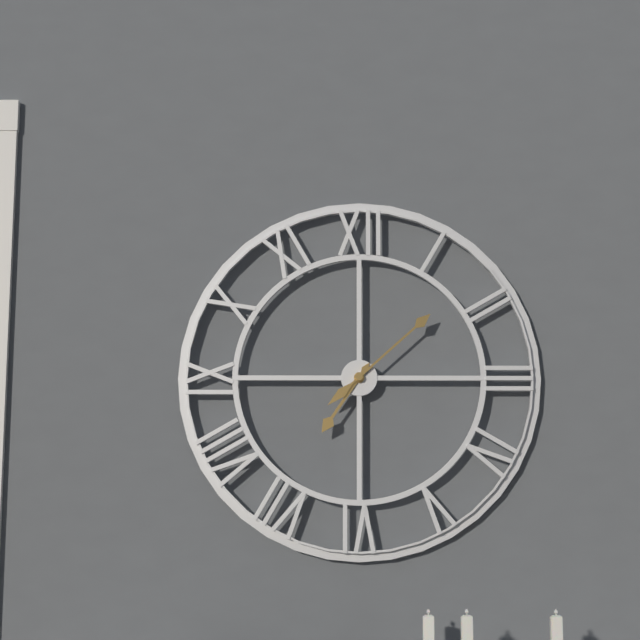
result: h=7 m=8
